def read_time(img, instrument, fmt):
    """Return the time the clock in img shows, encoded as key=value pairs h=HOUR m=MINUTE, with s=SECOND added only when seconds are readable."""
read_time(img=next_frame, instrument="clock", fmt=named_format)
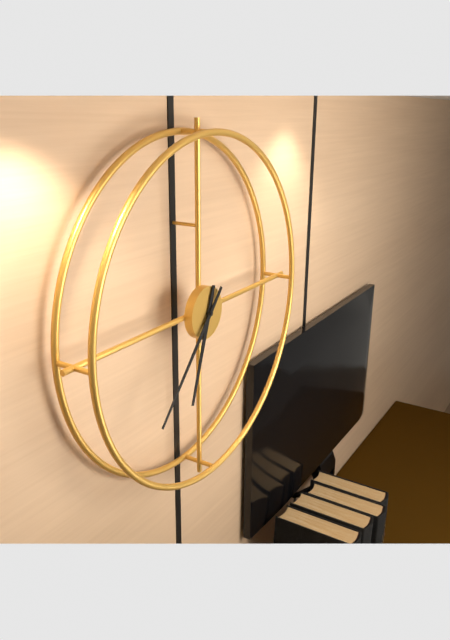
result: h=6 m=37
